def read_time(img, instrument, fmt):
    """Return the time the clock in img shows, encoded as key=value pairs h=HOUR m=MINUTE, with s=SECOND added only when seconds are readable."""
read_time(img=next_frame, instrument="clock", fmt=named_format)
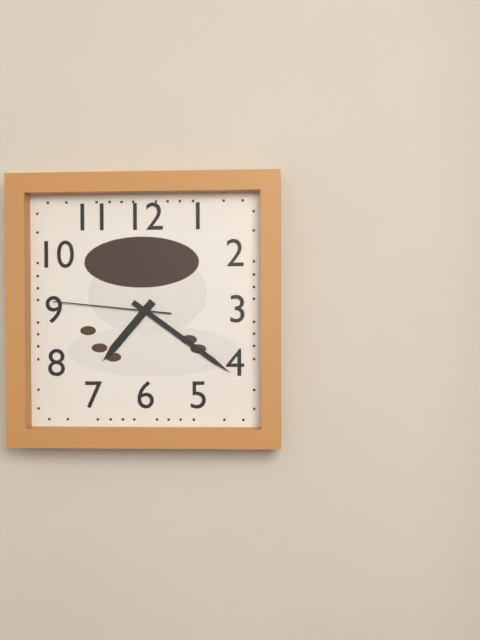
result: h=7 m=21 s=46
